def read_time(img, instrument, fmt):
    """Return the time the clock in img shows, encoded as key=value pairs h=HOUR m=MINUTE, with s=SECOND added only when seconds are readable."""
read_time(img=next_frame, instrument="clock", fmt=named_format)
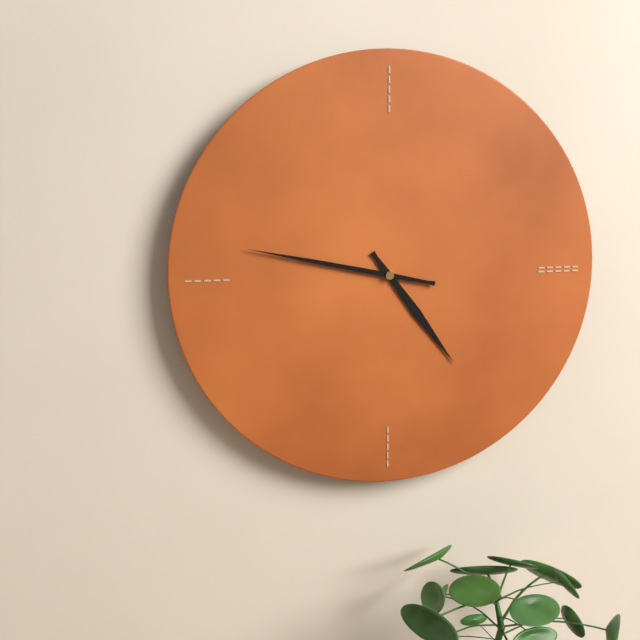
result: h=4 m=47
